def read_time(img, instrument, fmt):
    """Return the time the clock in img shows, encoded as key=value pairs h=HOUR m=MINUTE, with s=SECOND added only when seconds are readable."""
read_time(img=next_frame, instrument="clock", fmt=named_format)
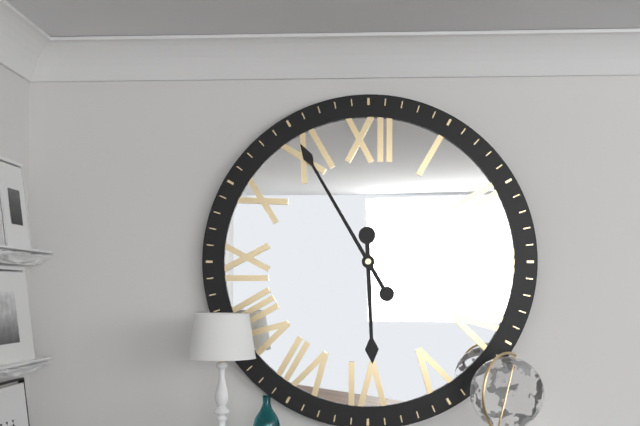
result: h=5 m=55
